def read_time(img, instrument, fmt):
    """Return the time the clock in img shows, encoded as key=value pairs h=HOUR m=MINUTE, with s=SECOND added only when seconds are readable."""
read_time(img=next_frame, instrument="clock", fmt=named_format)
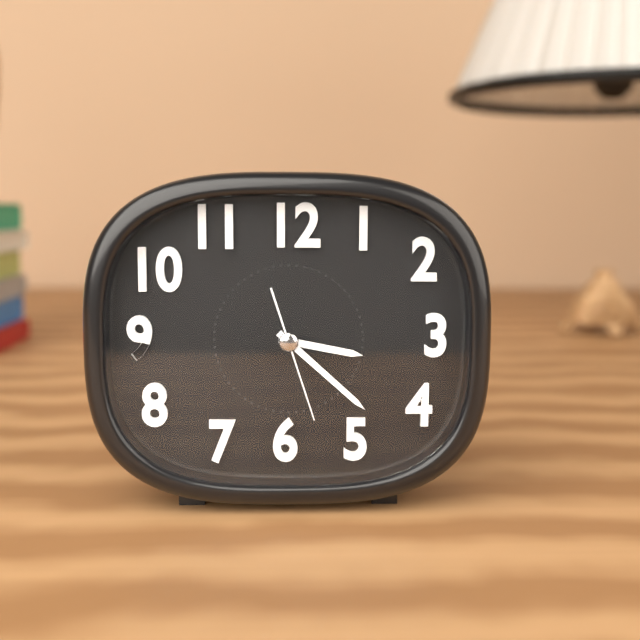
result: h=3 m=22 s=27
